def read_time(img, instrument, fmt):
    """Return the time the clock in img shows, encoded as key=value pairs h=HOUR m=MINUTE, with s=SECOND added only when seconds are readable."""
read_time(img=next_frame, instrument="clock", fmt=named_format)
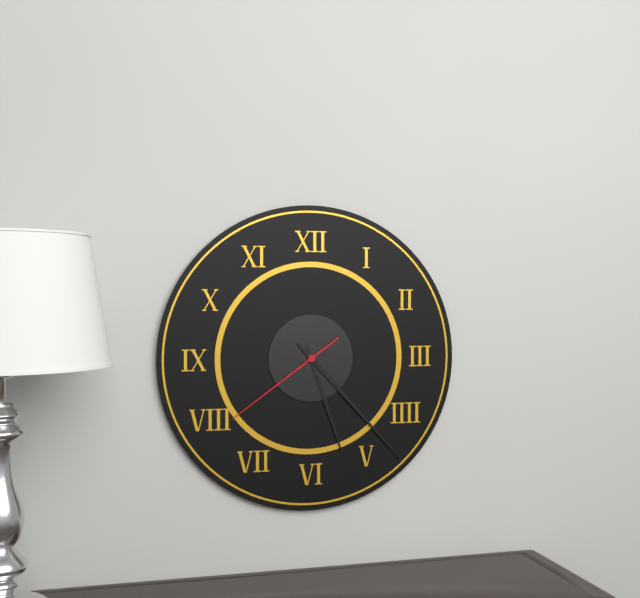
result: h=5 m=23 s=39
